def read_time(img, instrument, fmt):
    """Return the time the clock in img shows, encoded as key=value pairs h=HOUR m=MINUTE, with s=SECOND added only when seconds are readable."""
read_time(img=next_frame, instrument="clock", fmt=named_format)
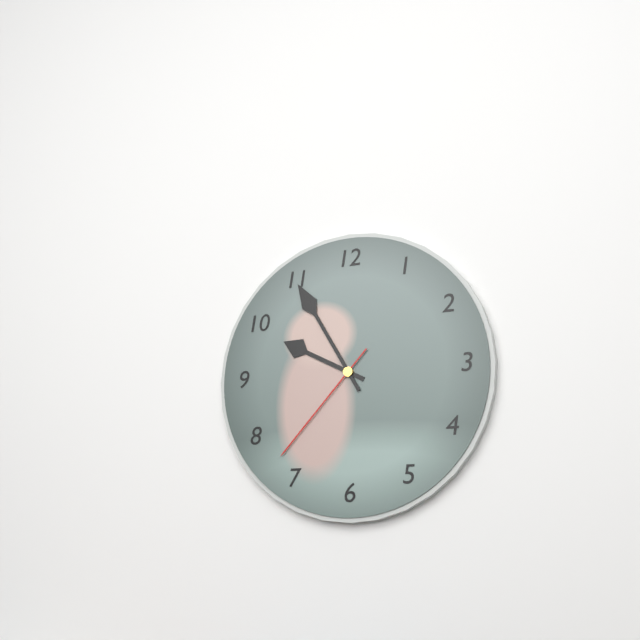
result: h=9 m=55 s=37
